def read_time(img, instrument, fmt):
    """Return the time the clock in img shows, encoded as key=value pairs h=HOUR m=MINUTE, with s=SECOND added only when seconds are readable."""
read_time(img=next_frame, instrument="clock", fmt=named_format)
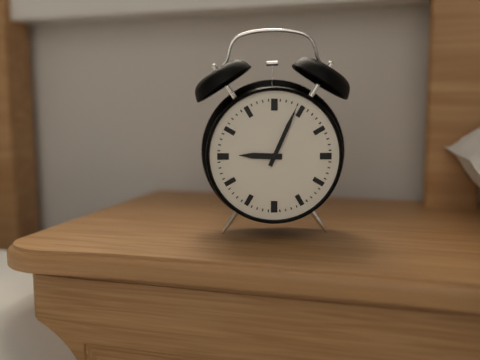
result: h=9 m=4
